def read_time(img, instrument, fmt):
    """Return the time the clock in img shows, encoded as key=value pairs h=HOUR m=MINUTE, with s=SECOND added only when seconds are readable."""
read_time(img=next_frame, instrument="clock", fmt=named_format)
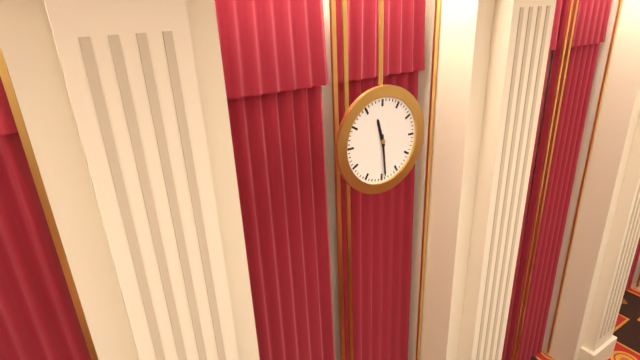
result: h=11 m=29
